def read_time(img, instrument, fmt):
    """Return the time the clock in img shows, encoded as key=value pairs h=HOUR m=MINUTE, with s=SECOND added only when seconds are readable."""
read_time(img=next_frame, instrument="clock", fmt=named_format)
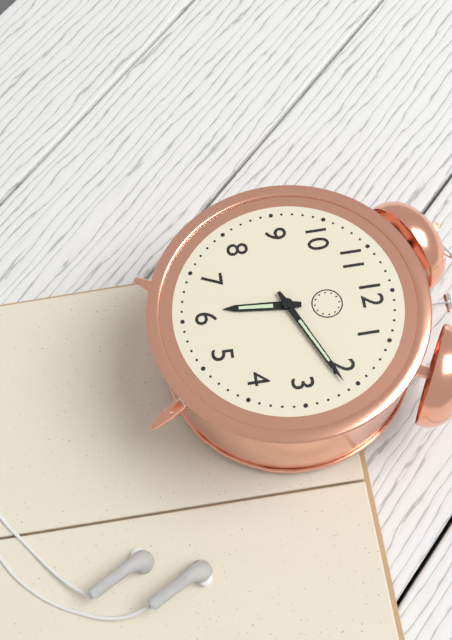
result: h=6 m=11
